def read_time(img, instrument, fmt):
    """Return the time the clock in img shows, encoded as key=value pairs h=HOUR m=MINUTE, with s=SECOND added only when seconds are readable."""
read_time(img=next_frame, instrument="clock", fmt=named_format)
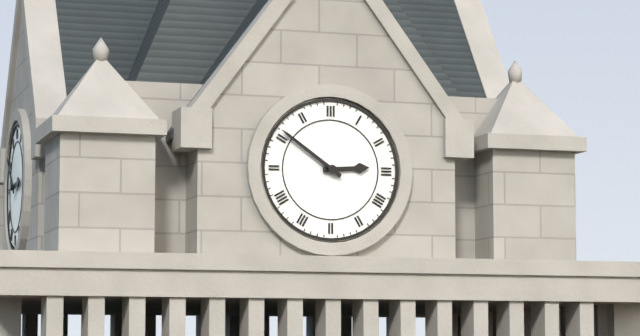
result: h=2 m=51
